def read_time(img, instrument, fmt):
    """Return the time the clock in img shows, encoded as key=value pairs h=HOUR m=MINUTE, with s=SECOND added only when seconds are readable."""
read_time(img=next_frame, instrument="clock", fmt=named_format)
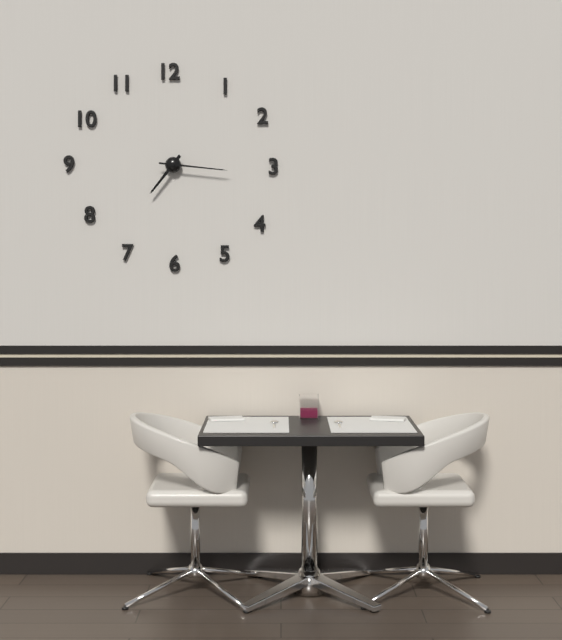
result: h=7 m=16
